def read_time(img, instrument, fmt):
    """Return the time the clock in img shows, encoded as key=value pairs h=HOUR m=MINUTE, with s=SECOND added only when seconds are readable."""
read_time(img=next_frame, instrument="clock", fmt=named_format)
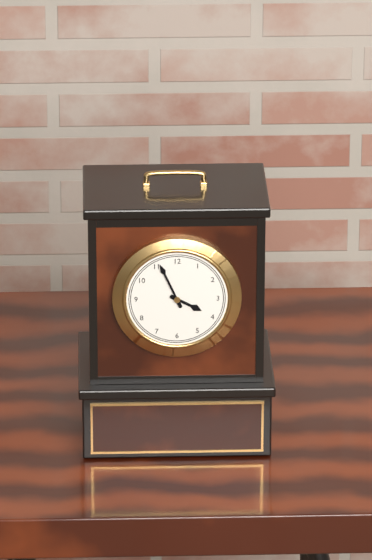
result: h=3 m=56
